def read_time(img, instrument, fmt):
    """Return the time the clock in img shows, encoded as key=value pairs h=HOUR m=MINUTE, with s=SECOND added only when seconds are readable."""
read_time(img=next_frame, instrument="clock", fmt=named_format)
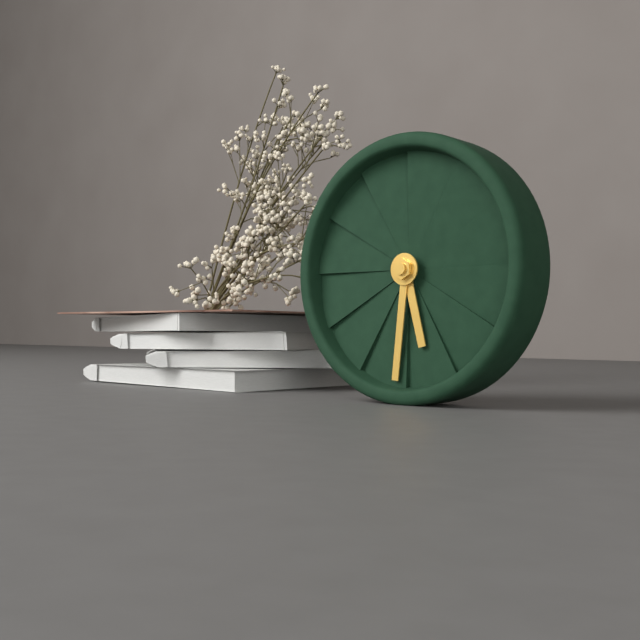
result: h=5 m=31
